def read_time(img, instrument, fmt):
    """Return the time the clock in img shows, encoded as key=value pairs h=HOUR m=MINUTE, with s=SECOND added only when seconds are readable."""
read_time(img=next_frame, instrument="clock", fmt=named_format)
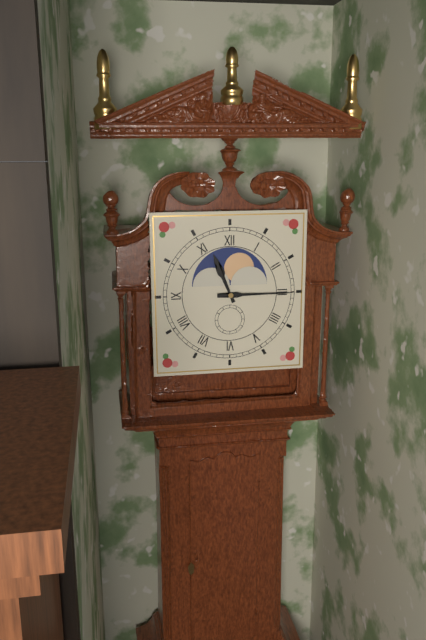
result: h=11 m=15
